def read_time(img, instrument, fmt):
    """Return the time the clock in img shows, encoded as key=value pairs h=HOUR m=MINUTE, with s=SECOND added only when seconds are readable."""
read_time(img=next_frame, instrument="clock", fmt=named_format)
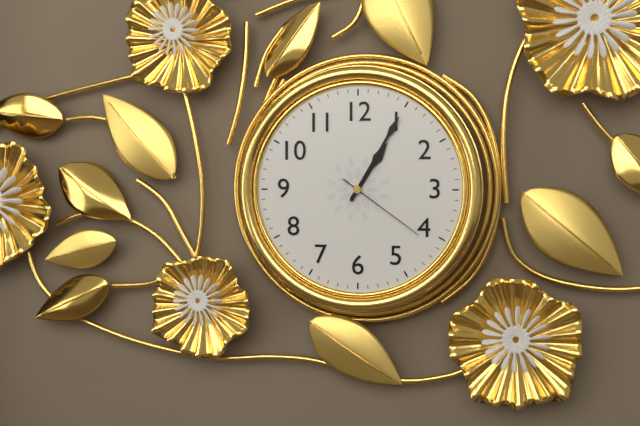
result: h=1 m=5 s=21
